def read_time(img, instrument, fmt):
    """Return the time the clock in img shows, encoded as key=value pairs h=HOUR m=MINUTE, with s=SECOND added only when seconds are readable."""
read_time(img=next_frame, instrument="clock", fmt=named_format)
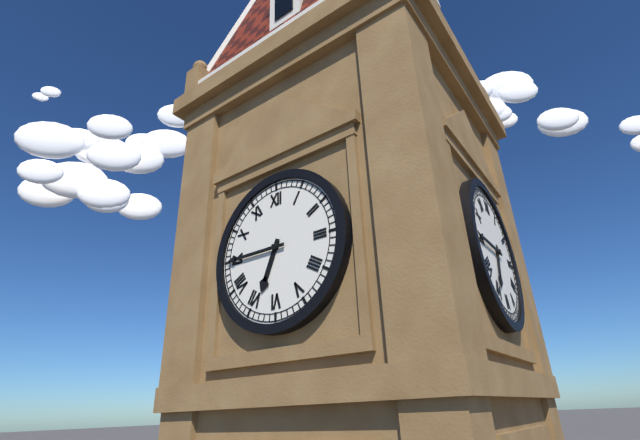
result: h=6 m=45
